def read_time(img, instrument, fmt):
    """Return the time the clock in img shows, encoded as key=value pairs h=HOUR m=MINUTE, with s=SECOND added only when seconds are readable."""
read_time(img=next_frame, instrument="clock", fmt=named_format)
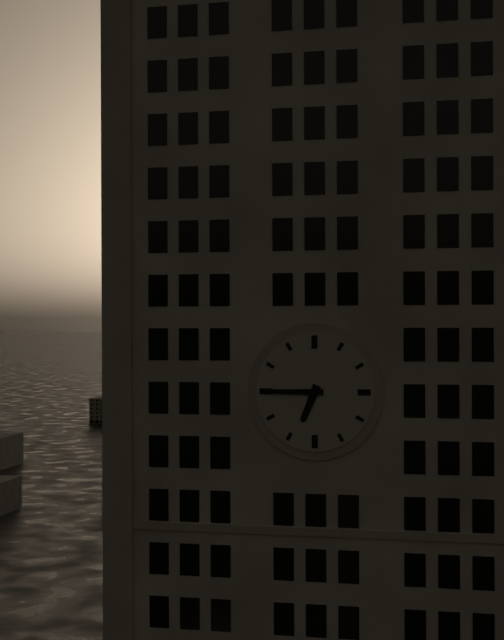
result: h=6 m=45
